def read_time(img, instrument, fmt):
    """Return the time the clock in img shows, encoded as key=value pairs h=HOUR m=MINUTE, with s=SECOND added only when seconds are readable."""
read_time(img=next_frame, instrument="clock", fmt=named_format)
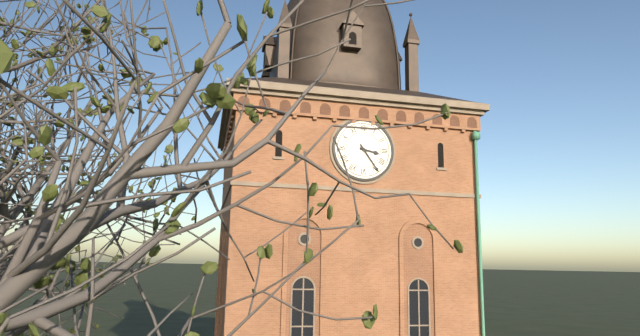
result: h=3 m=24
